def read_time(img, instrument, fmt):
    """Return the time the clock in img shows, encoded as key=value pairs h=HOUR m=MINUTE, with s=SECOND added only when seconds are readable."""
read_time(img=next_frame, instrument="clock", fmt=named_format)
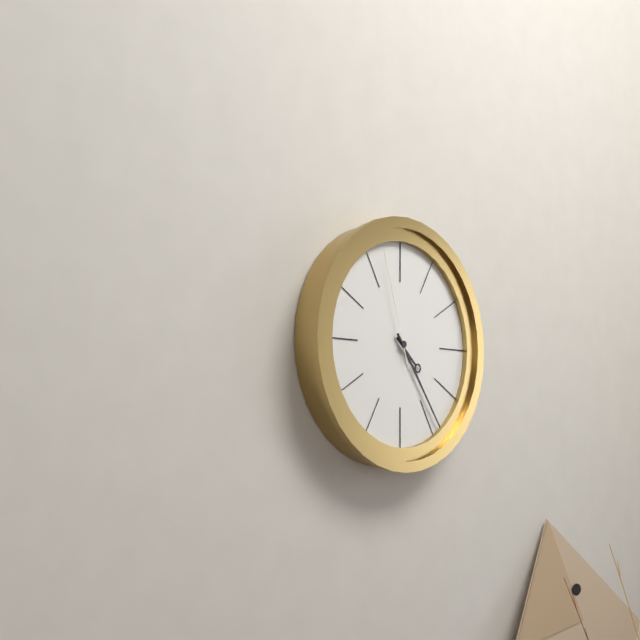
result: h=4 m=24 s=57
